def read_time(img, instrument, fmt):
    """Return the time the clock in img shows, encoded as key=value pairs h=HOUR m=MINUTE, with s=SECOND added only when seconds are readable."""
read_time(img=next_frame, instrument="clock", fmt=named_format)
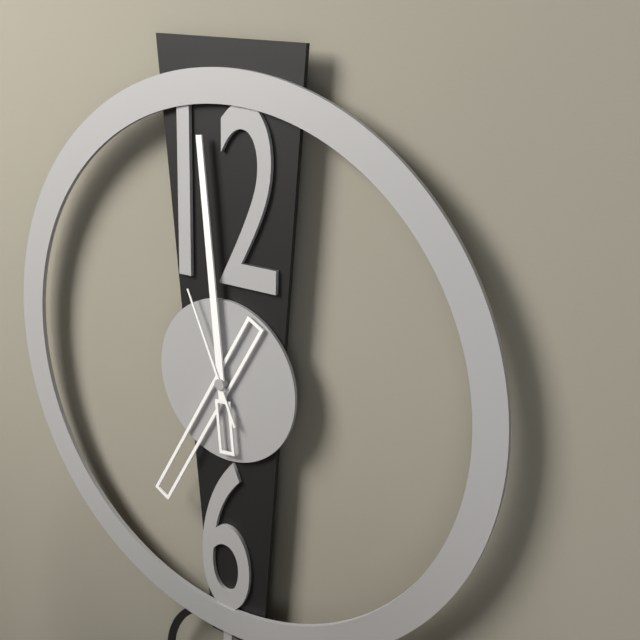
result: h=6 m=59 s=56
